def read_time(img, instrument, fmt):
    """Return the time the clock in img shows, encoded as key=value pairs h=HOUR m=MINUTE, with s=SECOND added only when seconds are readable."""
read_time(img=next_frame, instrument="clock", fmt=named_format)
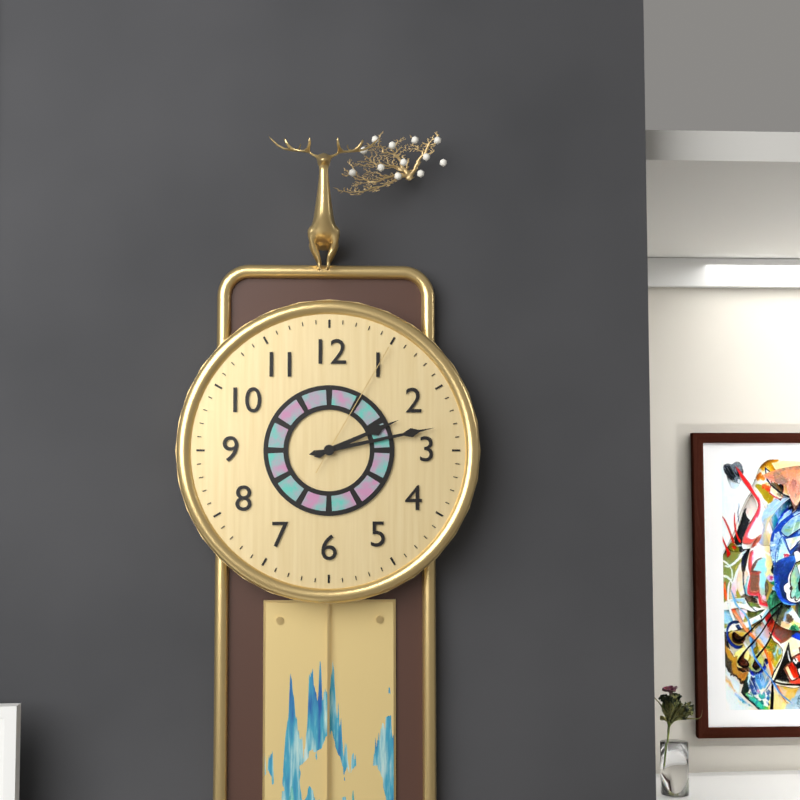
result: h=2 m=13 s=5
